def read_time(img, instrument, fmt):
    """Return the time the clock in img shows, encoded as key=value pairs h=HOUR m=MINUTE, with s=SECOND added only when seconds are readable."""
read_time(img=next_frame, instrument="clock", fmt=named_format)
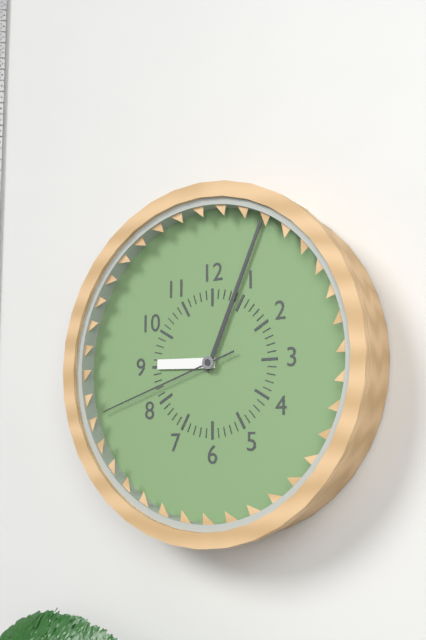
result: h=9 m=4 s=42
